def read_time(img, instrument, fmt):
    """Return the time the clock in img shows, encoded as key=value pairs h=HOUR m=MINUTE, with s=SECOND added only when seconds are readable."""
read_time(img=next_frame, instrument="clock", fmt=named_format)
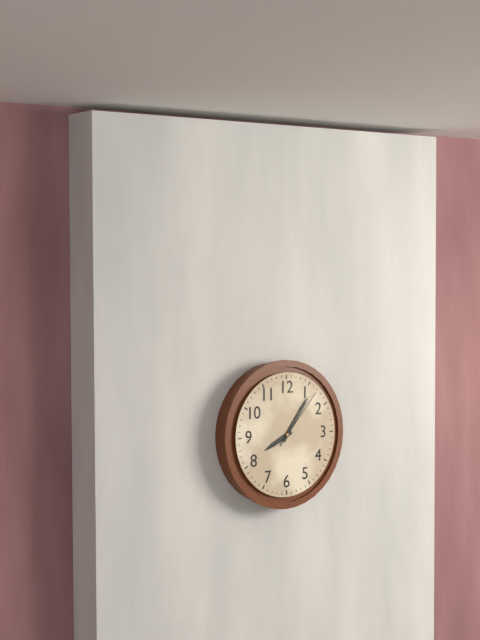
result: h=8 m=6 s=7
